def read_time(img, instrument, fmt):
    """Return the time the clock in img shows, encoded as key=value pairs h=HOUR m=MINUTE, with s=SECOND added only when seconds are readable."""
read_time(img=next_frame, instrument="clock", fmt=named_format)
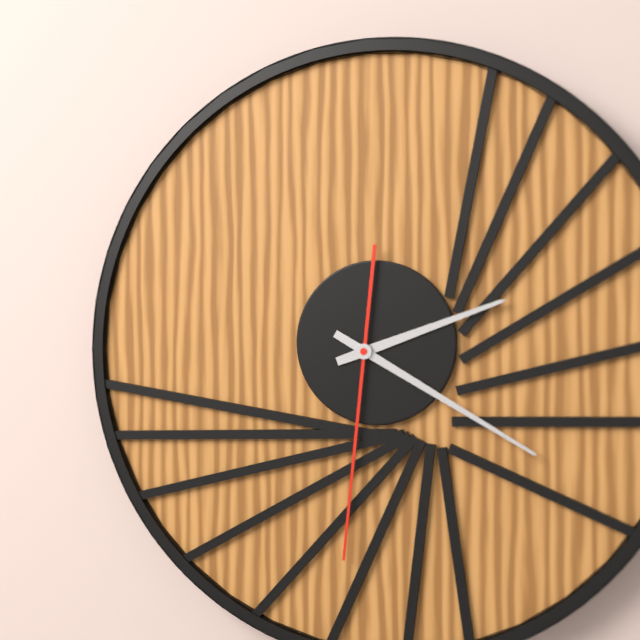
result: h=2 m=20 s=31
